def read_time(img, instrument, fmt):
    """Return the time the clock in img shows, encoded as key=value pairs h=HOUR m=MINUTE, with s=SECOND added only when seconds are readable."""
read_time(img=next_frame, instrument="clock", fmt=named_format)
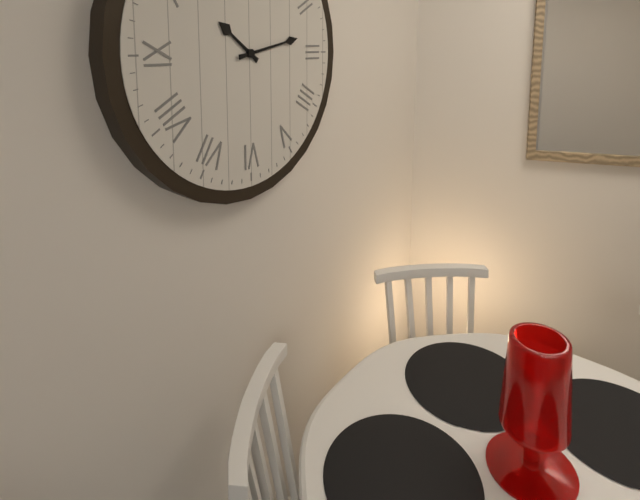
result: h=10 m=13
